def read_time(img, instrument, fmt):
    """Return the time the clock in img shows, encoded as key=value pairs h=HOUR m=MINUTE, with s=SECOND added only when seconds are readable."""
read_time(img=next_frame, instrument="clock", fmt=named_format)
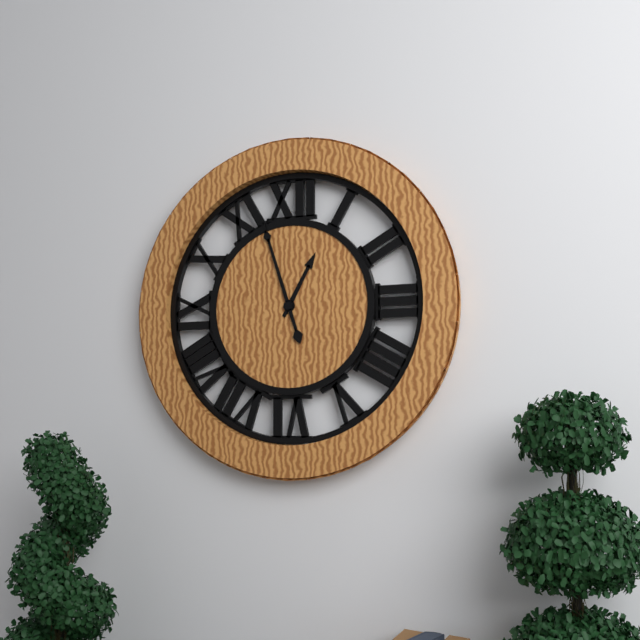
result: h=12 m=57
